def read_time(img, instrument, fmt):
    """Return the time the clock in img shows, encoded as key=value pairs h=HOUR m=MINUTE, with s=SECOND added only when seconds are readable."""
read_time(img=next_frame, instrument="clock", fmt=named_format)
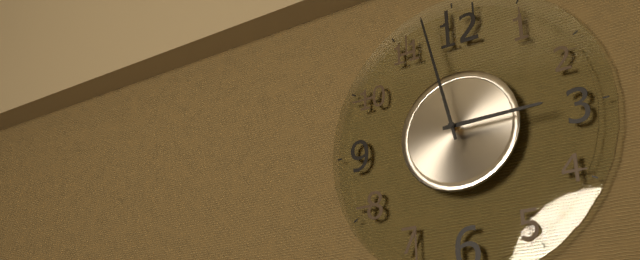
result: h=2 m=58
